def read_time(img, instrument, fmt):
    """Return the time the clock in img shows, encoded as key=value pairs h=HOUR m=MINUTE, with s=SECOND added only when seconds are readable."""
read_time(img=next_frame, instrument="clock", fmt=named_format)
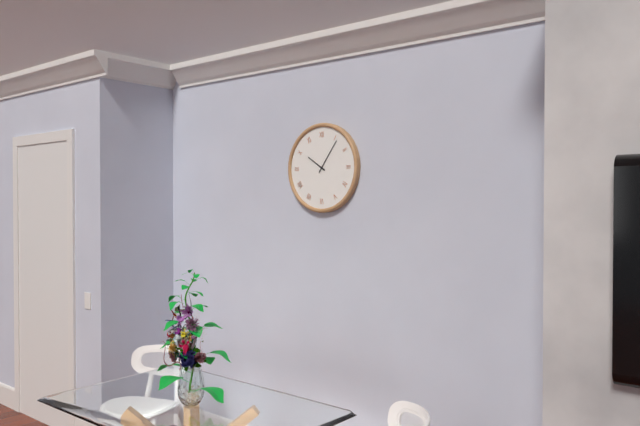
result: h=10 m=6
